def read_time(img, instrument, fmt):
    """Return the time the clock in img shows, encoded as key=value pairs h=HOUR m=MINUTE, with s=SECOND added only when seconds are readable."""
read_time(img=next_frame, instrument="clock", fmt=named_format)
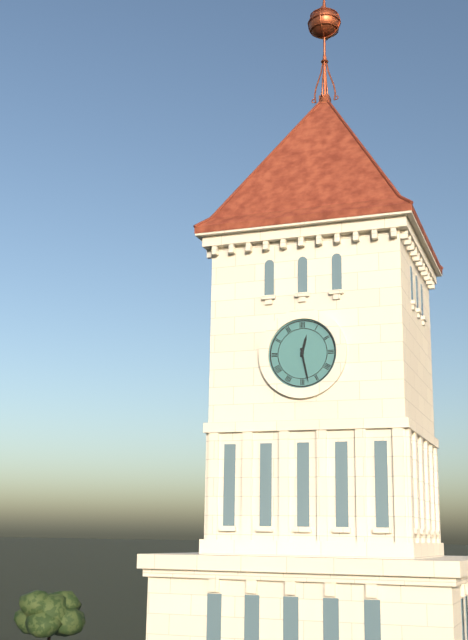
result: h=12 m=28
